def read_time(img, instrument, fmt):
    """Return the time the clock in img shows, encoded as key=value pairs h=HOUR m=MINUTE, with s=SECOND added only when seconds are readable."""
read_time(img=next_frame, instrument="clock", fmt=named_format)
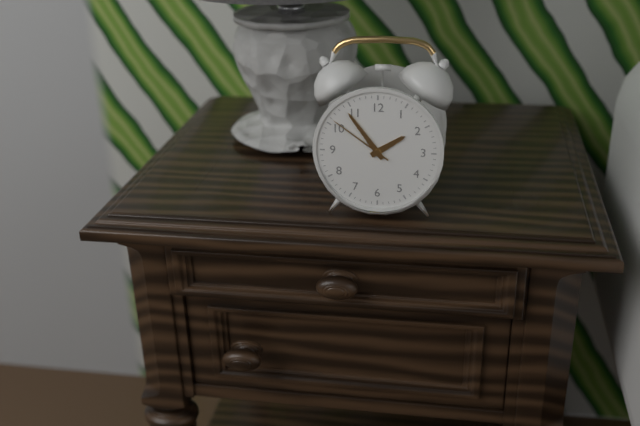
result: h=1 m=54 s=51
